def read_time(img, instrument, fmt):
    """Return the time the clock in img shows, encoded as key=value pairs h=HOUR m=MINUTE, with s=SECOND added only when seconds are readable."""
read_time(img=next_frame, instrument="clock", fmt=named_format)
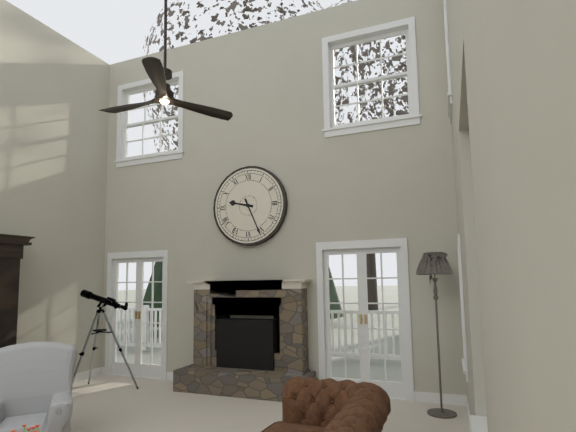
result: h=9 m=26
